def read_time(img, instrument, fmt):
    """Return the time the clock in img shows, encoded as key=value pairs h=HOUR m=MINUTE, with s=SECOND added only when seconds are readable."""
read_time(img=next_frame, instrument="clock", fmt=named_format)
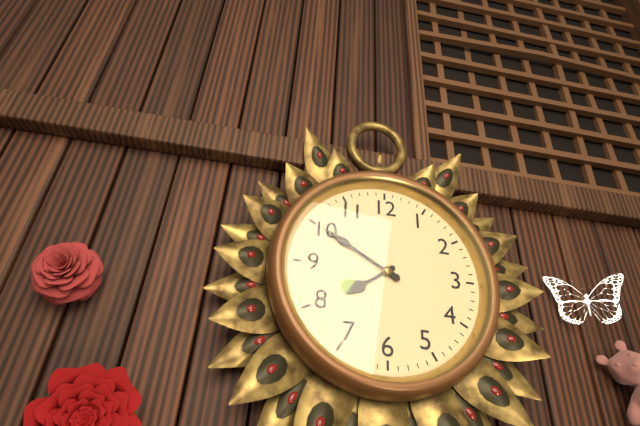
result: h=7 m=50
